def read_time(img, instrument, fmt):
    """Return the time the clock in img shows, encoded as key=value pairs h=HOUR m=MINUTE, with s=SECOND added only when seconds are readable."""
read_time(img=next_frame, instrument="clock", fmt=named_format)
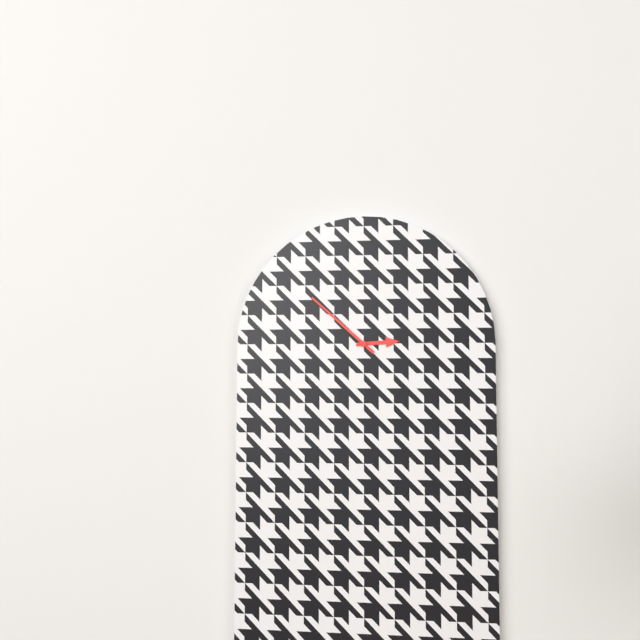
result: h=2 m=52
